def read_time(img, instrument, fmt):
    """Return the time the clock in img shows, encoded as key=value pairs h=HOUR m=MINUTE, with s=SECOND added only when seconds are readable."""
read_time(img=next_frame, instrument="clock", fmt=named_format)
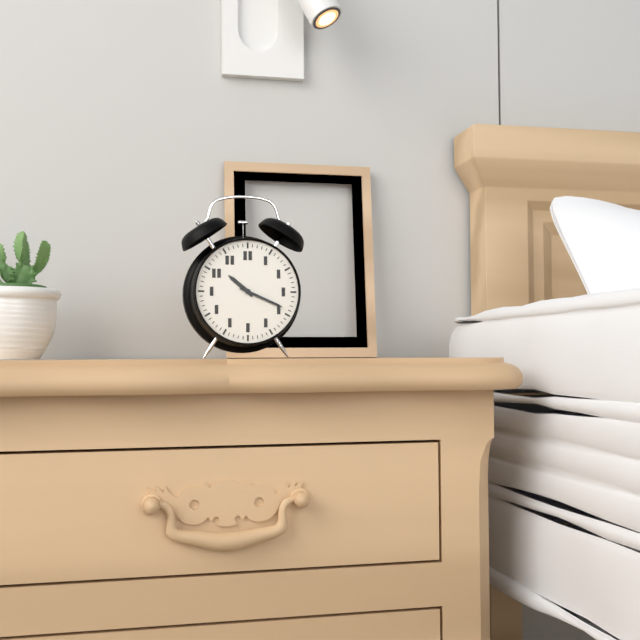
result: h=10 m=19
